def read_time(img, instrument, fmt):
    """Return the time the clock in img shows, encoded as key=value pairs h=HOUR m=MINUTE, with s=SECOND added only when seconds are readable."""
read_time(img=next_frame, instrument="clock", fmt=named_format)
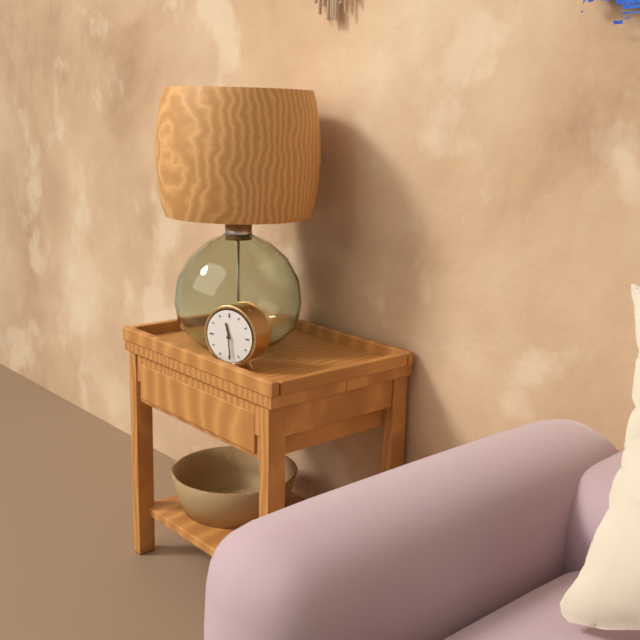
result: h=11 m=29
